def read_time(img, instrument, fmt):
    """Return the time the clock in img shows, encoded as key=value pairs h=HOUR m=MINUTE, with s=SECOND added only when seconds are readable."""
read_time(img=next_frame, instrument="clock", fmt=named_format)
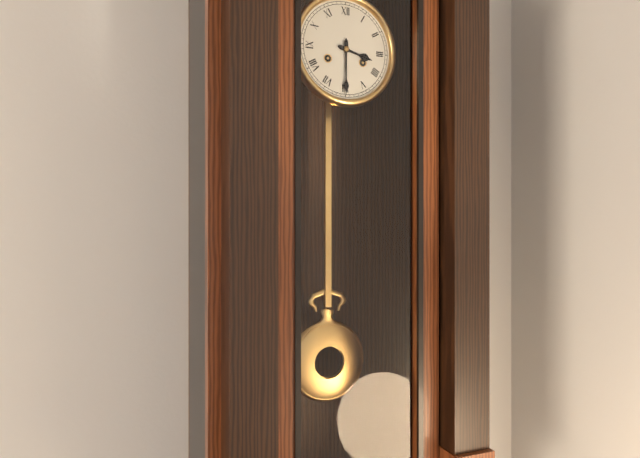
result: h=3 m=30
